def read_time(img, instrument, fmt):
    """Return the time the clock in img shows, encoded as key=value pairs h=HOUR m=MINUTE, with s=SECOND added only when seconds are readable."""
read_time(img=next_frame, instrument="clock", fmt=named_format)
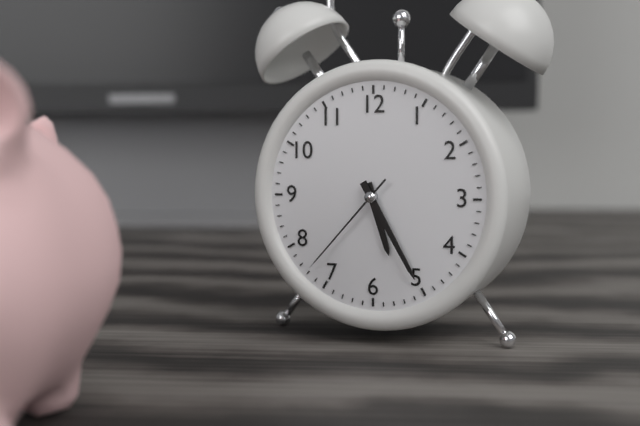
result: h=5 m=25 s=37
